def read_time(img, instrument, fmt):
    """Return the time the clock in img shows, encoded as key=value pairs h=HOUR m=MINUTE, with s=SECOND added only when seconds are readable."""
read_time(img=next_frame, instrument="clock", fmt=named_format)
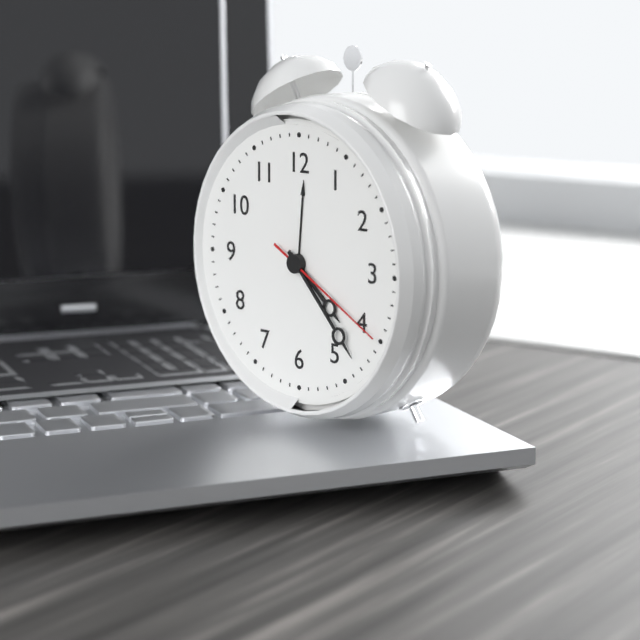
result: h=4 m=23 s=20
